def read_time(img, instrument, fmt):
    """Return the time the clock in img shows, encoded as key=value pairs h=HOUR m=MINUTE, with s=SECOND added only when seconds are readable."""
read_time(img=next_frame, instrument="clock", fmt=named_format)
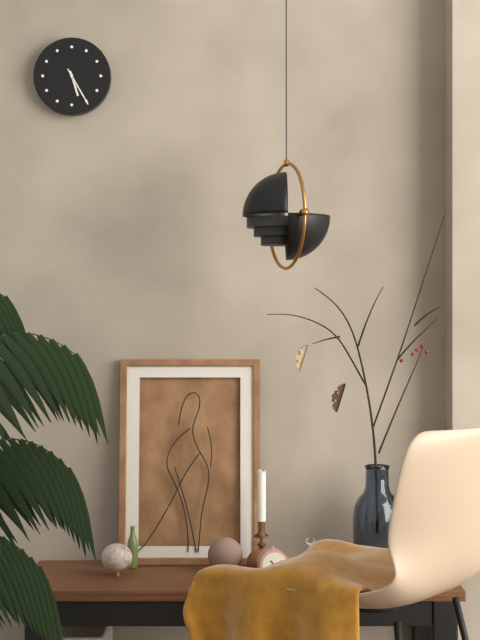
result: h=5 m=25
